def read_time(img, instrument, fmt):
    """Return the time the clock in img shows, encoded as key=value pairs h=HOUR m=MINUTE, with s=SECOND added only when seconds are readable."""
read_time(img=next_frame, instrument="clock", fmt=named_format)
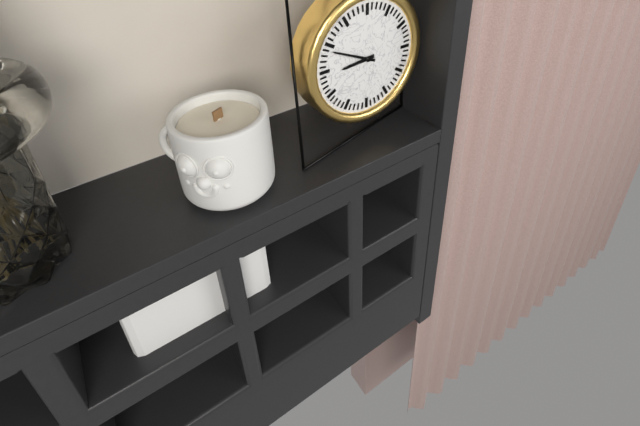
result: h=8 m=49
